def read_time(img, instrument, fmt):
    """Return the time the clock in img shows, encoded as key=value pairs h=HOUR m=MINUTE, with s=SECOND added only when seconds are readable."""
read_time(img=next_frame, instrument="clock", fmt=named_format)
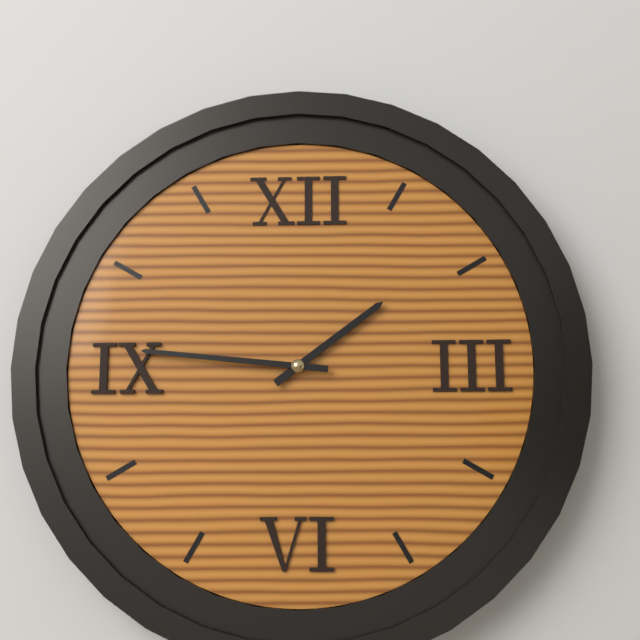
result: h=1 m=46
